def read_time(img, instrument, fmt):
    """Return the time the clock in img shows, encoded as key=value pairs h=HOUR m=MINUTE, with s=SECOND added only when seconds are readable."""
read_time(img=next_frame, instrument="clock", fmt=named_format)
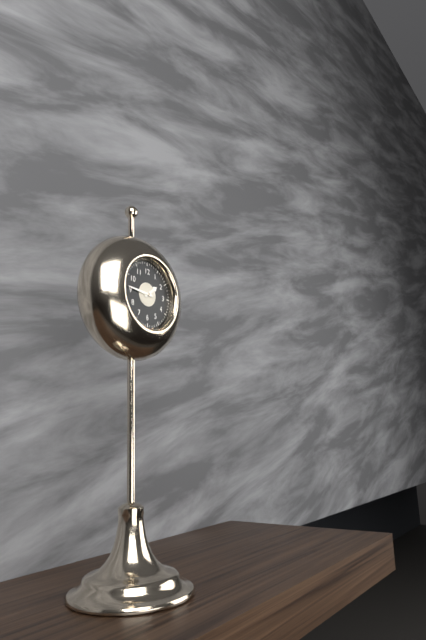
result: h=1 m=46
